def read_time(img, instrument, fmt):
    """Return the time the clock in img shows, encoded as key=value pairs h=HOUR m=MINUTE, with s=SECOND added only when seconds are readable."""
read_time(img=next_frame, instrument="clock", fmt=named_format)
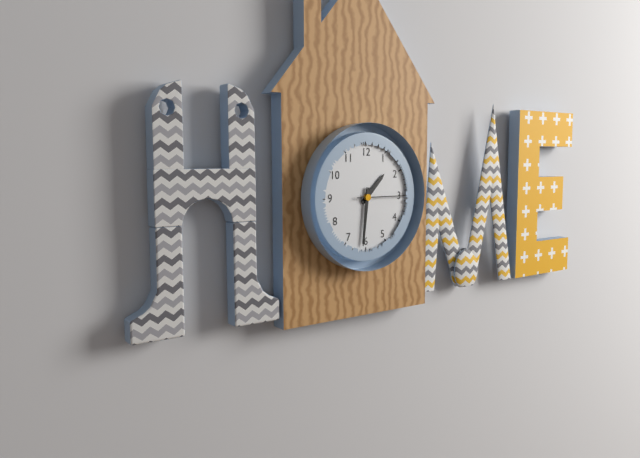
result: h=1 m=31
